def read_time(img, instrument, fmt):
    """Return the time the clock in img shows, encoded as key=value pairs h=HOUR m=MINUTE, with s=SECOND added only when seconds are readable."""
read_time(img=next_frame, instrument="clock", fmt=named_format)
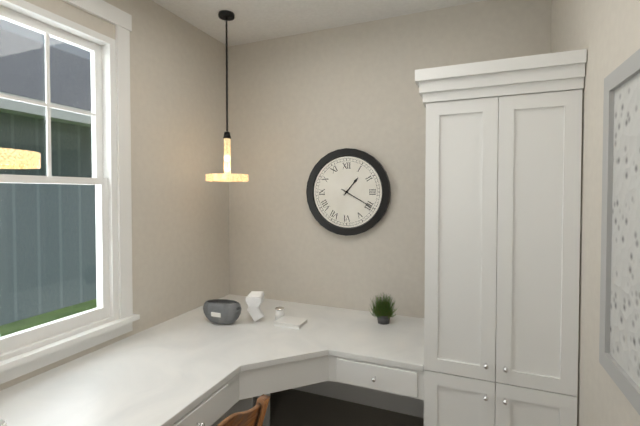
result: h=1 m=20
